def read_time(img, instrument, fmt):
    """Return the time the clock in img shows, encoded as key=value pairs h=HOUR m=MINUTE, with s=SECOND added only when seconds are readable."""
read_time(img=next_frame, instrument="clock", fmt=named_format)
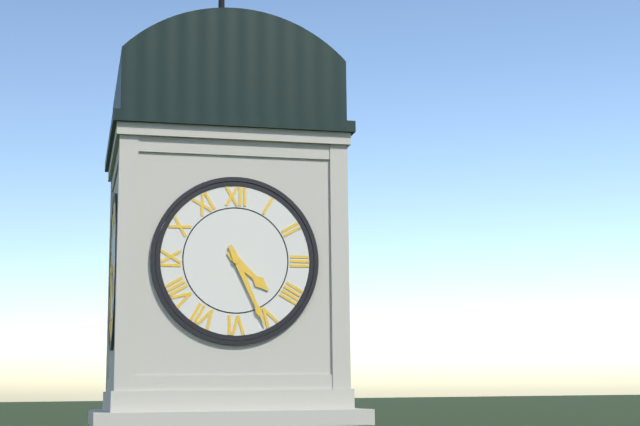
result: h=4 m=26
